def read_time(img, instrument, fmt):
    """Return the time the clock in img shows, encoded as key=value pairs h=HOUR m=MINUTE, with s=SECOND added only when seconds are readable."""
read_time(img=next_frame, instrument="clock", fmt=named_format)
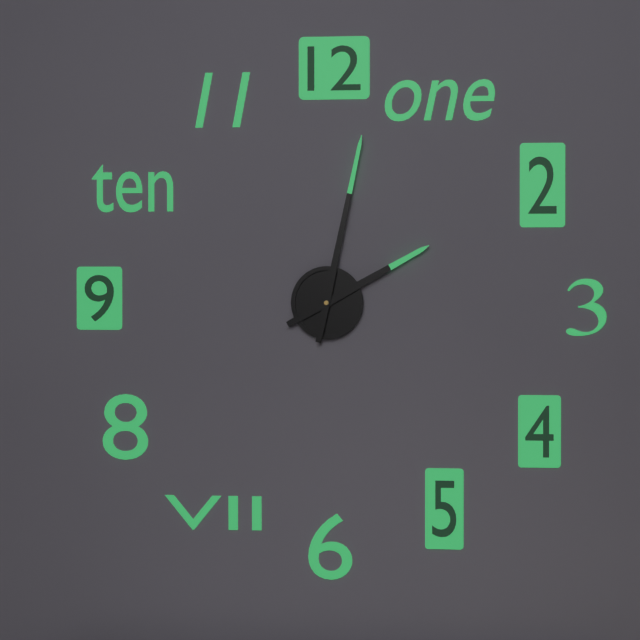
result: h=2 m=2
